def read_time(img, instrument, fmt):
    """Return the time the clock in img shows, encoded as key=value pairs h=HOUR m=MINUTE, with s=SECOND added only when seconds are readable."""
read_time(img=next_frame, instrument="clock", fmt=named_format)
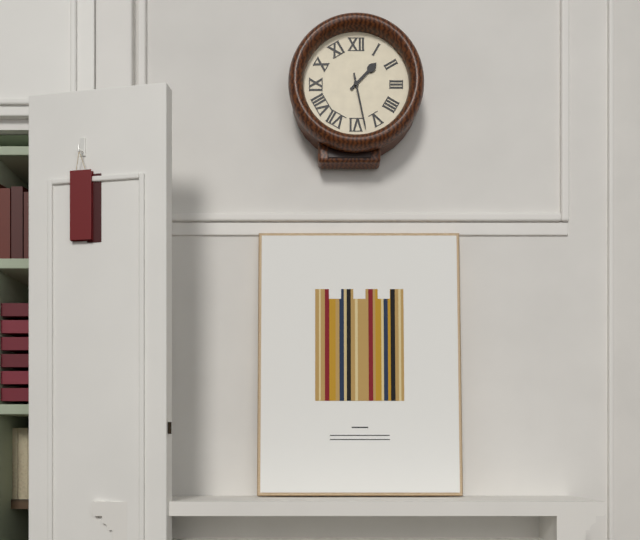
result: h=1 m=28
